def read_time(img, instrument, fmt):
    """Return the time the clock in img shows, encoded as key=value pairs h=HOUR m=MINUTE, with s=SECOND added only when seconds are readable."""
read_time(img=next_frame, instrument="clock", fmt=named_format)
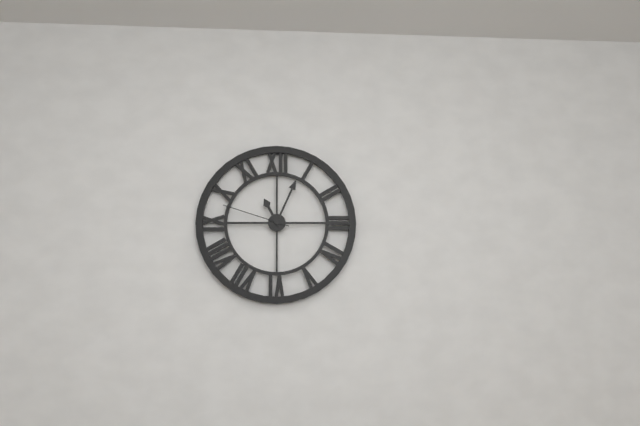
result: h=11 m=4 s=48
